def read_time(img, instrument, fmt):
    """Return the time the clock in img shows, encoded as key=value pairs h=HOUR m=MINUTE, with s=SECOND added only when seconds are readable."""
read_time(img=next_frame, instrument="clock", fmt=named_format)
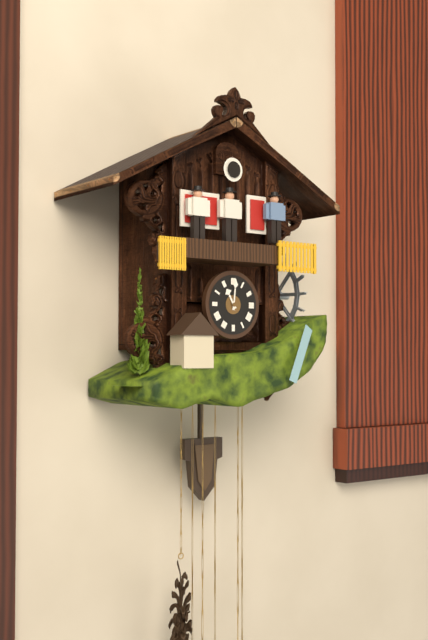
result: h=11 m=1
